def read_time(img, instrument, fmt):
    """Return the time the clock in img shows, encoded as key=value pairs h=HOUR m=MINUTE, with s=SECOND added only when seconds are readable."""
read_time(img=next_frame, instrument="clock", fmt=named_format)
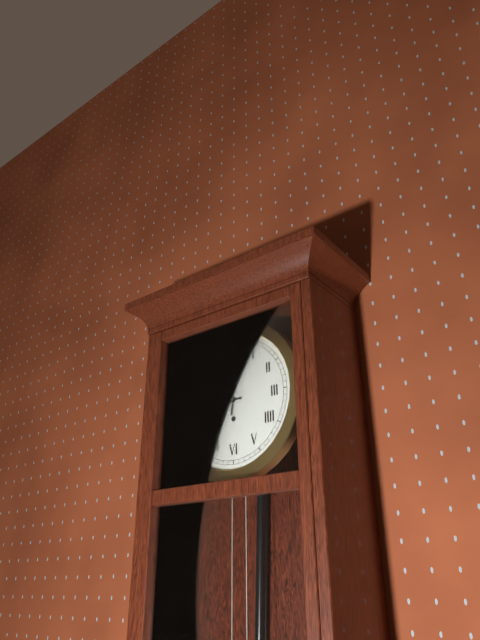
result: h=9 m=1
